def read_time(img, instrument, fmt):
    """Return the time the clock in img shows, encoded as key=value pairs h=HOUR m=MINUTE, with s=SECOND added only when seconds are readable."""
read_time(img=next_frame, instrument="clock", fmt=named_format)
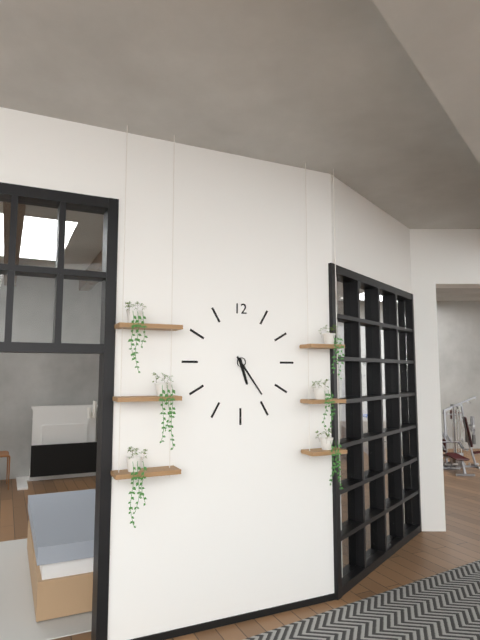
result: h=5 m=24
